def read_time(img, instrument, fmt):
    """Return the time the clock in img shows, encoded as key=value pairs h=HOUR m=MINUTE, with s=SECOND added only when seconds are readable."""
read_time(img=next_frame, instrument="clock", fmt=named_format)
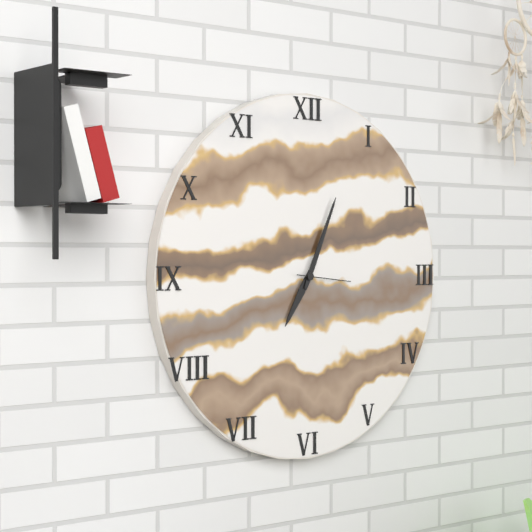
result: h=7 m=4 s=16
